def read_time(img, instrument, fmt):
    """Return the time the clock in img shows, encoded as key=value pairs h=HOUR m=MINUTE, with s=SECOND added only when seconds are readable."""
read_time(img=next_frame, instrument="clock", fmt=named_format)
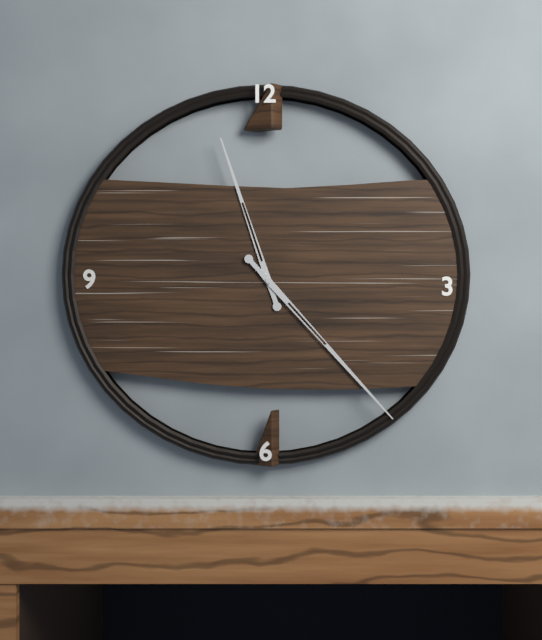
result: h=11 m=23
